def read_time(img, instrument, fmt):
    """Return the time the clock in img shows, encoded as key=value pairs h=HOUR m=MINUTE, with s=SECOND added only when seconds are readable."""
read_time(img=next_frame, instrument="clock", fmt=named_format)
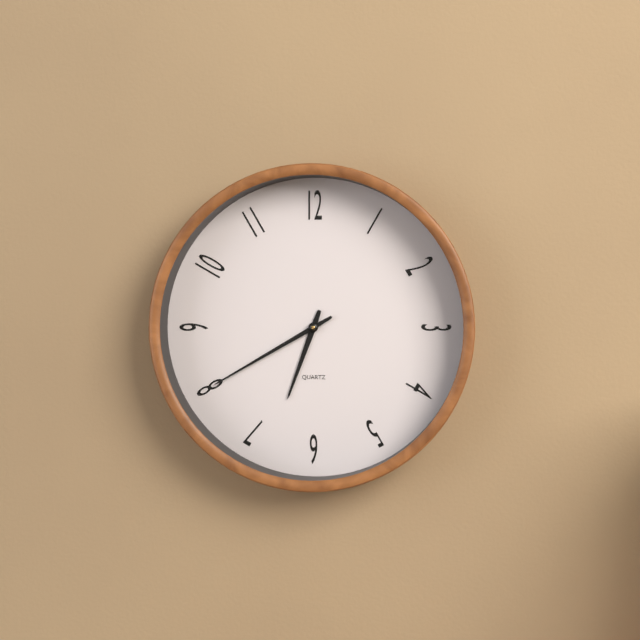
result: h=6 m=40
